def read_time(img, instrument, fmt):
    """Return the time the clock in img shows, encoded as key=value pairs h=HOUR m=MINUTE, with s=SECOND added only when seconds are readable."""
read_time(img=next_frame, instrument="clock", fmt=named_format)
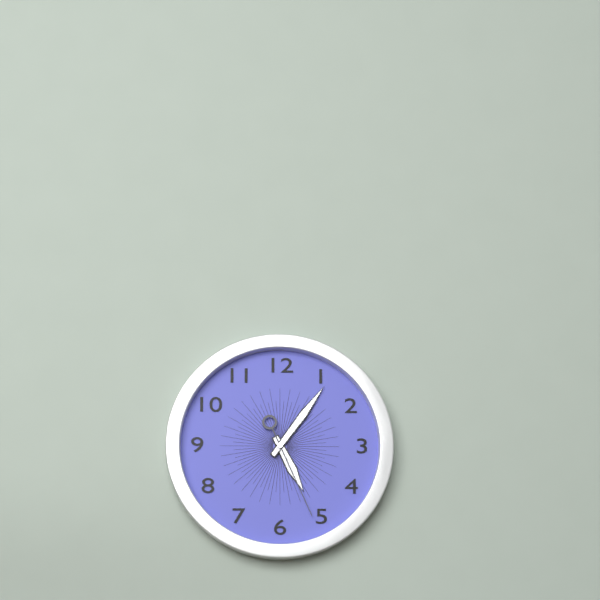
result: h=5 m=6 s=26
